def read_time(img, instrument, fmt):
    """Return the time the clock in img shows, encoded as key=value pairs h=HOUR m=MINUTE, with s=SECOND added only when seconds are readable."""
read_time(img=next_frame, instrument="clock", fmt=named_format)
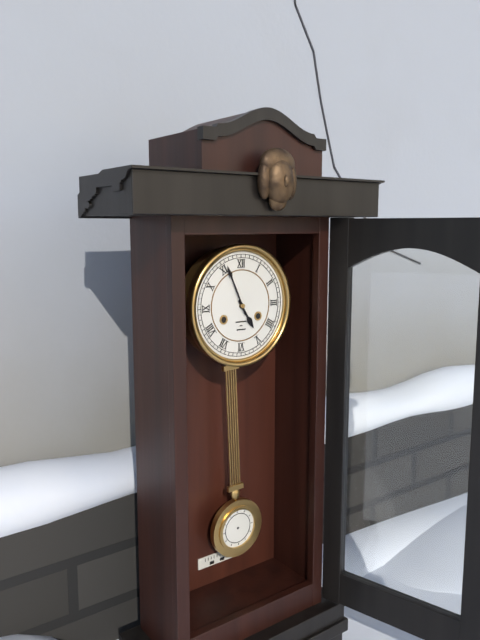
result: h=4 m=56
